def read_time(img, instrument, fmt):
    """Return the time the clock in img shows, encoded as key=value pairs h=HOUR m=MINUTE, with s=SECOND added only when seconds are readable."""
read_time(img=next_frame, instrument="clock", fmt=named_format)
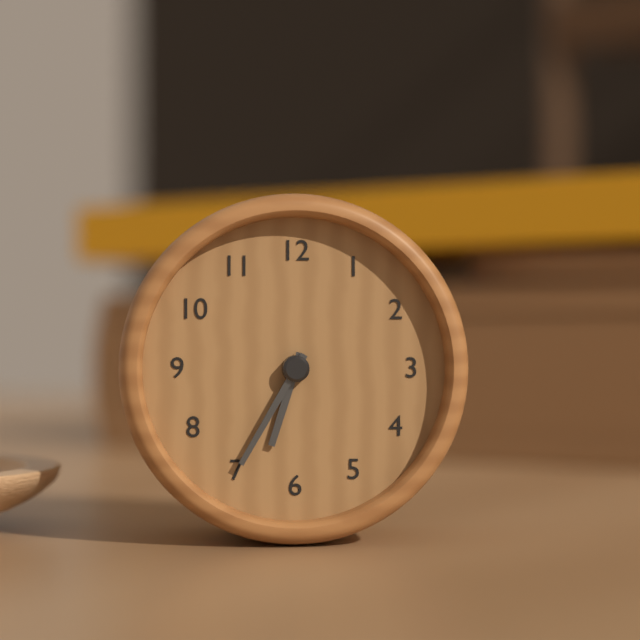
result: h=6 m=35
